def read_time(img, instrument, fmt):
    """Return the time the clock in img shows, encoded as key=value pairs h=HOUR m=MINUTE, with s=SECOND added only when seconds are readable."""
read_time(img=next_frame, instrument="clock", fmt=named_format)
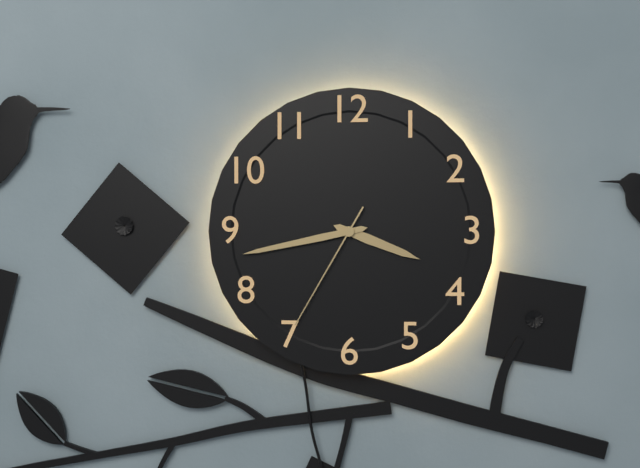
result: h=3 m=43 s=35
